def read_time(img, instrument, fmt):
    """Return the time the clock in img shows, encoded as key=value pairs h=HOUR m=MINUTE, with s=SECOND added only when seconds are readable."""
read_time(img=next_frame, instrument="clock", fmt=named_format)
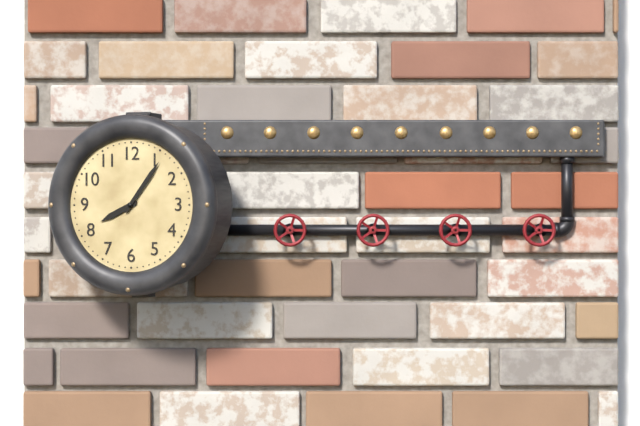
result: h=8 m=6
